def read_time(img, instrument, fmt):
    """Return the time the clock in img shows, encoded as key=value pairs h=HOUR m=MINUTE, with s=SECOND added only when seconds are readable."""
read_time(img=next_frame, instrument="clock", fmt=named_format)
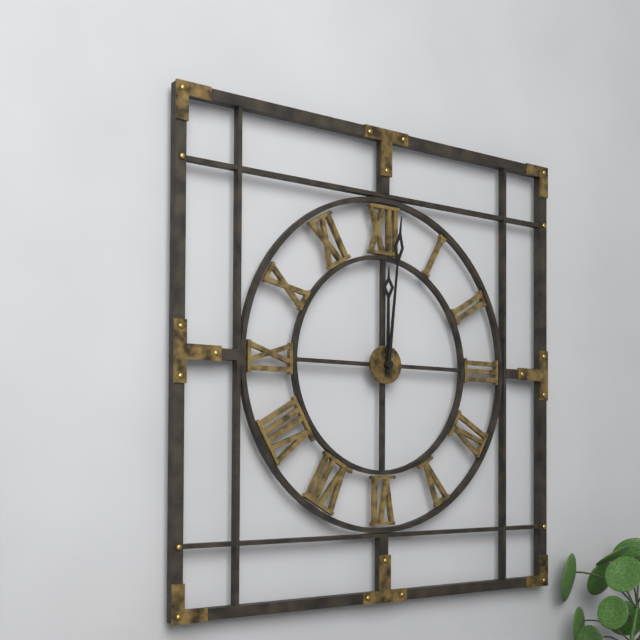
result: h=12 m=1
